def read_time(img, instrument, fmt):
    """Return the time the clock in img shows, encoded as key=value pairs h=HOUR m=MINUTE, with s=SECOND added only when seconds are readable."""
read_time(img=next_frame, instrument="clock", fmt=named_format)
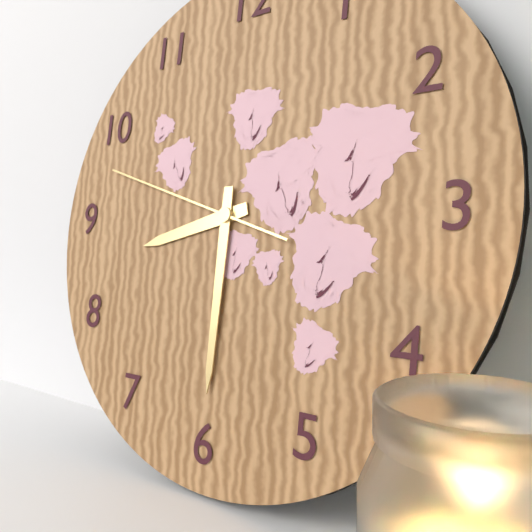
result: h=8 m=30 s=48
